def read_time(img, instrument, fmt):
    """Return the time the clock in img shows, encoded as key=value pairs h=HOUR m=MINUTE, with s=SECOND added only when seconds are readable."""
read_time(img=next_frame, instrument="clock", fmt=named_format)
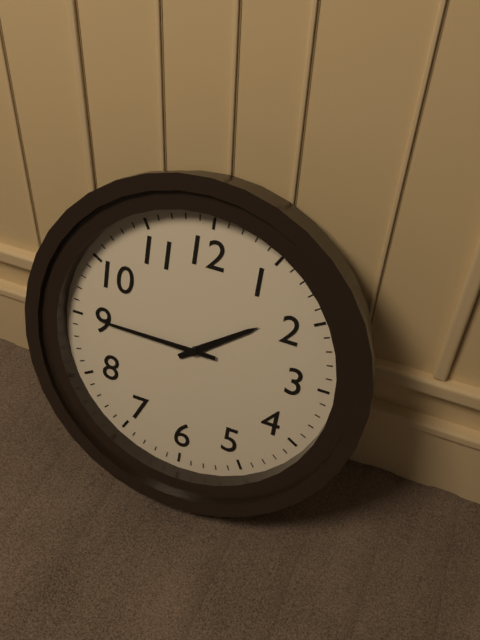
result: h=1 m=45
